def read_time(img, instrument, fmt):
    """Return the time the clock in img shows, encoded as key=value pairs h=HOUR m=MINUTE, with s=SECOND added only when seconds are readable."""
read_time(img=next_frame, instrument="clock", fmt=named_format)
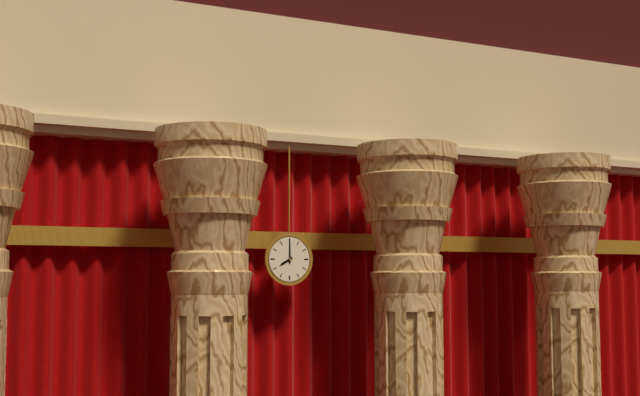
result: h=8 m=0
